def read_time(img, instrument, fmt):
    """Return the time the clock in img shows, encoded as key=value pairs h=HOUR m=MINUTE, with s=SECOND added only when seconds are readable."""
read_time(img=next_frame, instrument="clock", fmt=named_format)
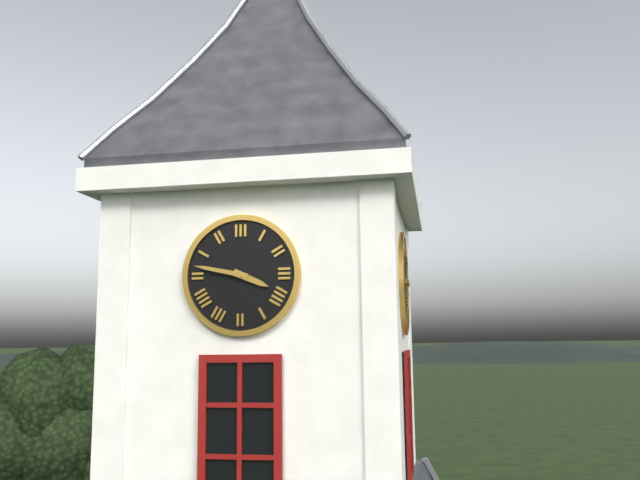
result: h=3 m=47
